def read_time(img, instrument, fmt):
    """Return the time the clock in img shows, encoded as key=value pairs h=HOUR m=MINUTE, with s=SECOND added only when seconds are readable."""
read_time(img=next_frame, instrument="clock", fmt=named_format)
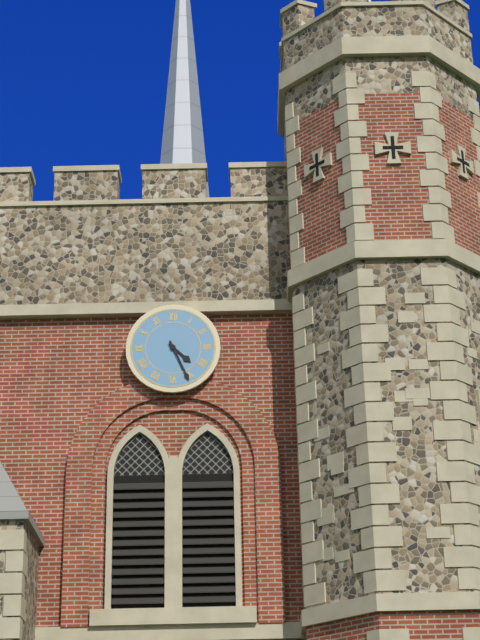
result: h=4 m=26
